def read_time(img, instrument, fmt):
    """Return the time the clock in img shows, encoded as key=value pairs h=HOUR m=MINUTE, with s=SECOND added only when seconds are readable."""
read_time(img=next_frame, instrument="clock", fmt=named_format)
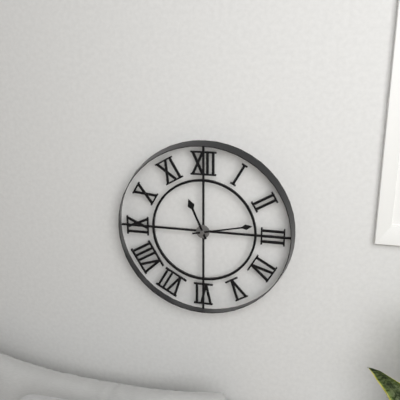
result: h=11 m=13
